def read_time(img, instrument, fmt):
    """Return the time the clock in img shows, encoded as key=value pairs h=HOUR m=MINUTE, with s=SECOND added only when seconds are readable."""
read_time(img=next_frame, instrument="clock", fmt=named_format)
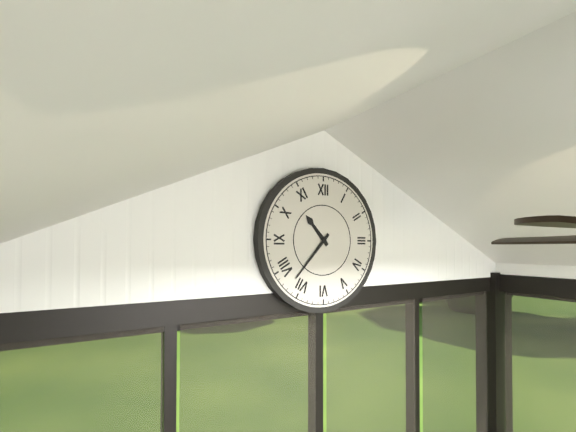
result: h=10 m=37
